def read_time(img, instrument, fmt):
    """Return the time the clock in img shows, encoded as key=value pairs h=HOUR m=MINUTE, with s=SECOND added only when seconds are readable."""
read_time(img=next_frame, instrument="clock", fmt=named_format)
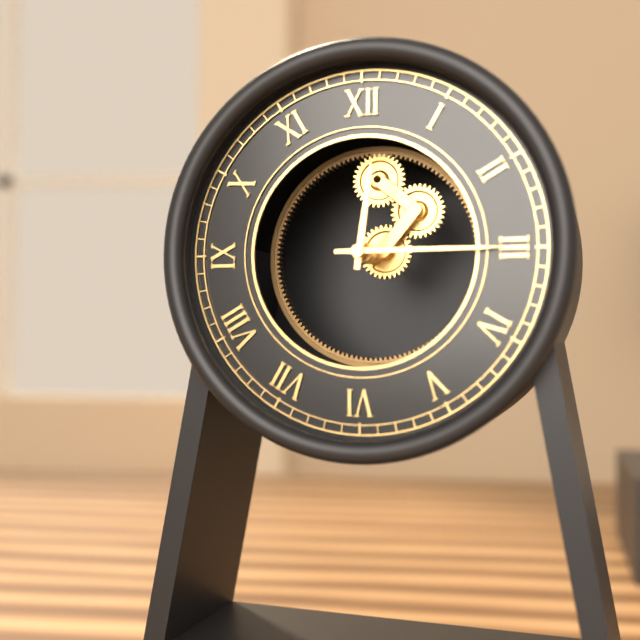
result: h=12 m=15
